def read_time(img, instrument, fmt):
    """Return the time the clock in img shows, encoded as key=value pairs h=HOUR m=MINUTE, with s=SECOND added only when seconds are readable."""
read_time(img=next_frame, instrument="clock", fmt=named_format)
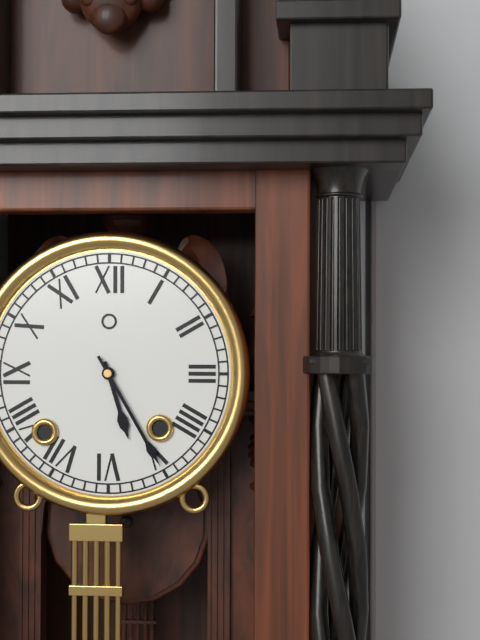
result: h=5 m=25
